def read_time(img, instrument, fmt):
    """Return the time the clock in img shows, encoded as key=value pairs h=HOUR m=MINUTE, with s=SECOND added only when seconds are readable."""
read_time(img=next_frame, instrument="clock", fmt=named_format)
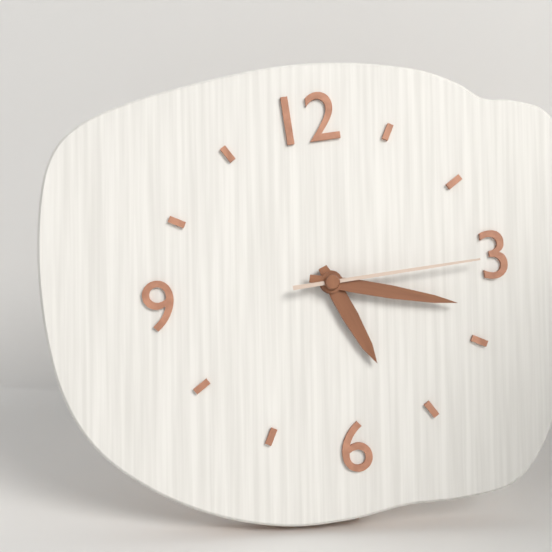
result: h=5 m=18 s=15
